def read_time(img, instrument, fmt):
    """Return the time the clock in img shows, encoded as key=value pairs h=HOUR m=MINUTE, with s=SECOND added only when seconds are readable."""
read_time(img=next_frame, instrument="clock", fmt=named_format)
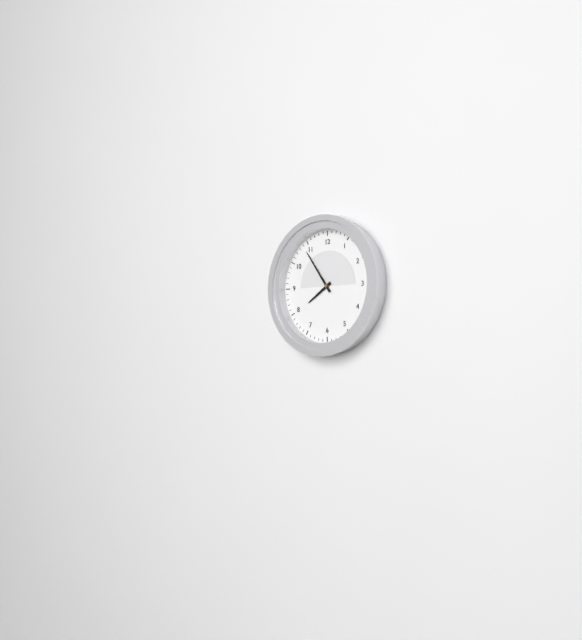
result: h=7 m=54
